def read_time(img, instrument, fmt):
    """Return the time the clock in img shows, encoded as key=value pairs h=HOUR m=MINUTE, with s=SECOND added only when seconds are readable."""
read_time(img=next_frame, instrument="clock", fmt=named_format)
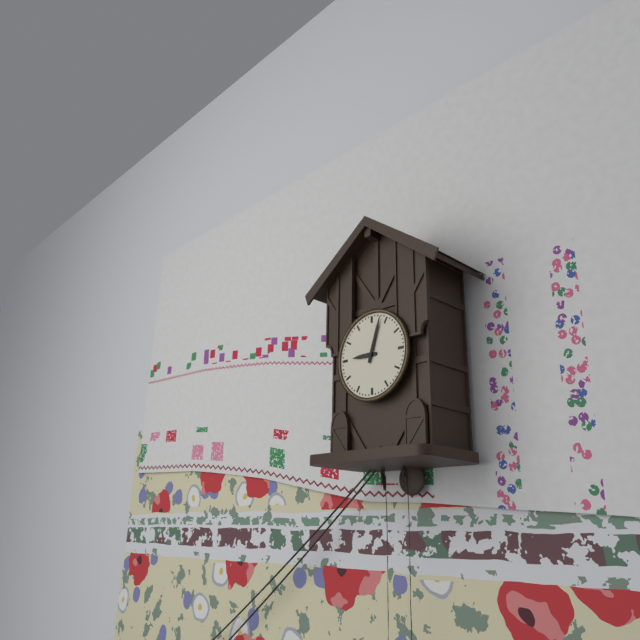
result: h=9 m=3
